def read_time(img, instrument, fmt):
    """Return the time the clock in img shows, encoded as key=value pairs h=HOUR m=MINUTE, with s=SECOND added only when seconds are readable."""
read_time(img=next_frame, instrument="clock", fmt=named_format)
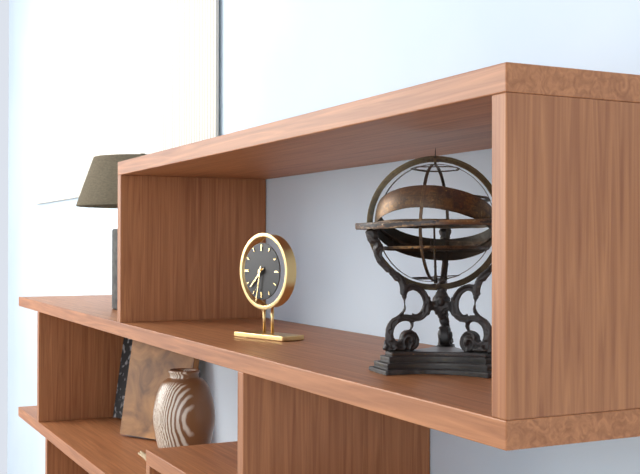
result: h=7 m=32
